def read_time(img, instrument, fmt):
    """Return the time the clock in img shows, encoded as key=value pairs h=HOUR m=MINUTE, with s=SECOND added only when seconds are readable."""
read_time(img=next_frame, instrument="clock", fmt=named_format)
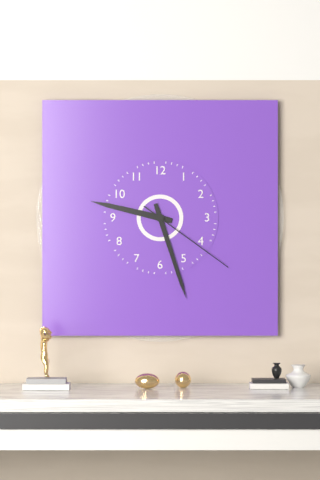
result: h=9 m=27 s=21
